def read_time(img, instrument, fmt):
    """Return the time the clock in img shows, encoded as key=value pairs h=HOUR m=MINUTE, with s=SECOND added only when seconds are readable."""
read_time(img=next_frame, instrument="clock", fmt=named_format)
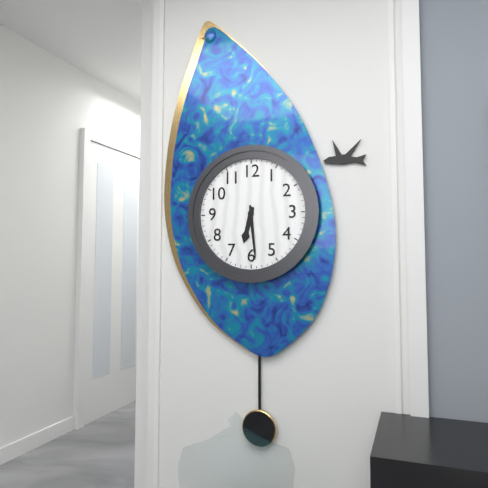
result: h=6 m=29
